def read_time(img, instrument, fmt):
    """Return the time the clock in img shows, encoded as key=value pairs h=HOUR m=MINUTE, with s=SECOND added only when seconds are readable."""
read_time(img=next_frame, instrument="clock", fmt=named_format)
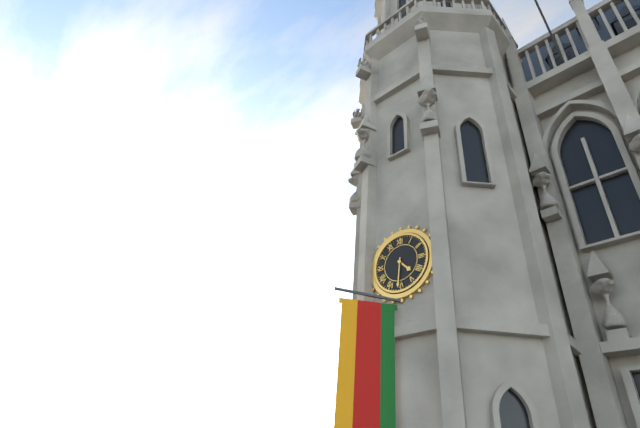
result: h=4 m=31
